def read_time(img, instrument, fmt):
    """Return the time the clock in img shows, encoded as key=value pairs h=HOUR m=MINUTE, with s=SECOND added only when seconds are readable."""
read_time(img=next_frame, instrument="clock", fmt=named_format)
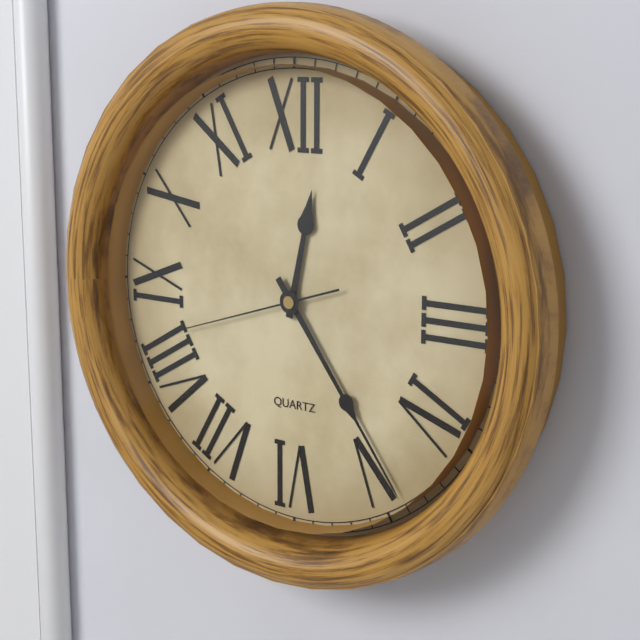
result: h=12 m=24 s=42
